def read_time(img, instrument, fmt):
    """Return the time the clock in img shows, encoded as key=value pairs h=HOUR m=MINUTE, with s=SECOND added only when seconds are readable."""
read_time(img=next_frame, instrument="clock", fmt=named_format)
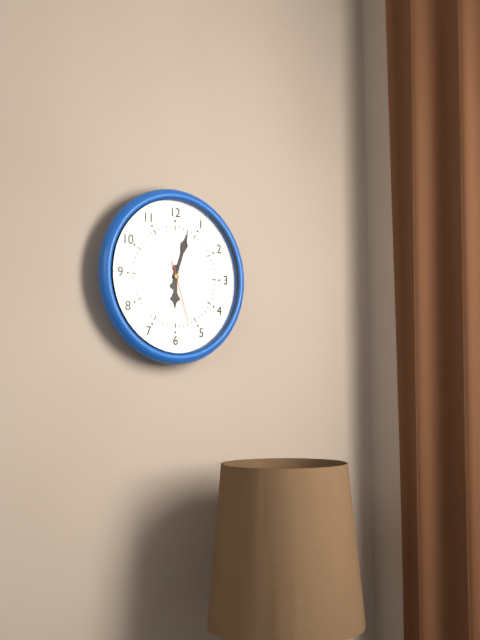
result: h=6 m=3 s=27
